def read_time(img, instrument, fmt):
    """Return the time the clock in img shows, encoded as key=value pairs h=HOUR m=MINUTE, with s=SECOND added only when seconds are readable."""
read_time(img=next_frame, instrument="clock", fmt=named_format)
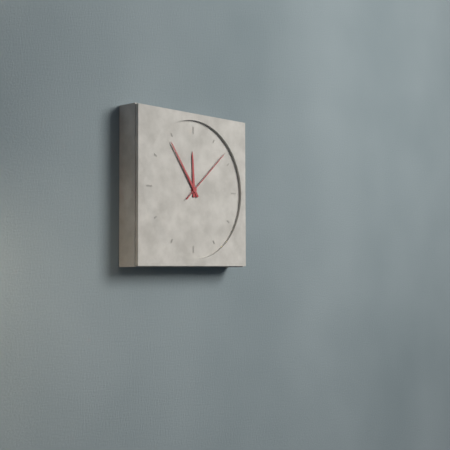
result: h=11 m=54 s=8
